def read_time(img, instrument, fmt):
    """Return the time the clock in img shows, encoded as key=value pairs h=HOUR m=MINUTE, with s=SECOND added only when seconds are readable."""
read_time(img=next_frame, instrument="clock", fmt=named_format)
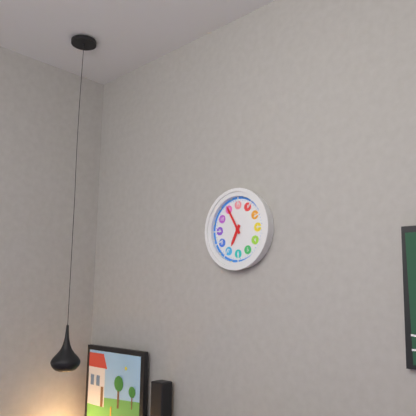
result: h=6 m=55
